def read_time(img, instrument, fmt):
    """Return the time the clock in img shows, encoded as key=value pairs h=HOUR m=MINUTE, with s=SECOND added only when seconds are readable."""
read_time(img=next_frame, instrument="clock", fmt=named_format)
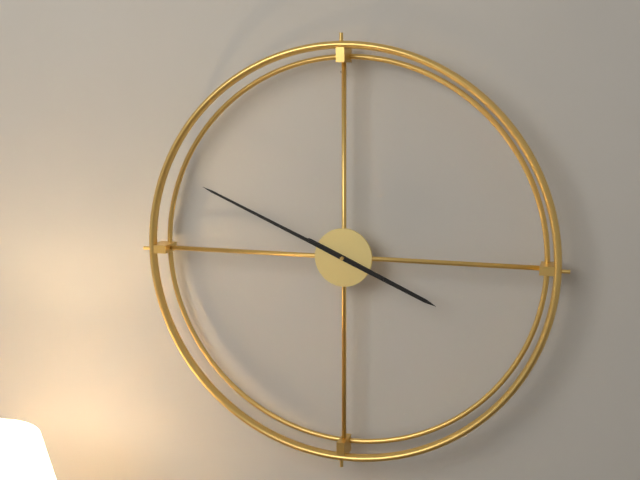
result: h=3 m=49
